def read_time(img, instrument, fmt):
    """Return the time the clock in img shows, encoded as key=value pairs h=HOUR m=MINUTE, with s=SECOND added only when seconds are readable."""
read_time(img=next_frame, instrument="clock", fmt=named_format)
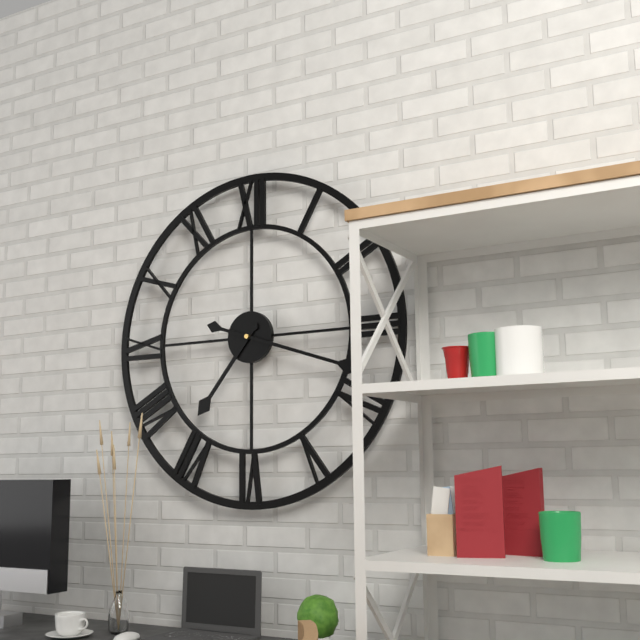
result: h=7 m=18
